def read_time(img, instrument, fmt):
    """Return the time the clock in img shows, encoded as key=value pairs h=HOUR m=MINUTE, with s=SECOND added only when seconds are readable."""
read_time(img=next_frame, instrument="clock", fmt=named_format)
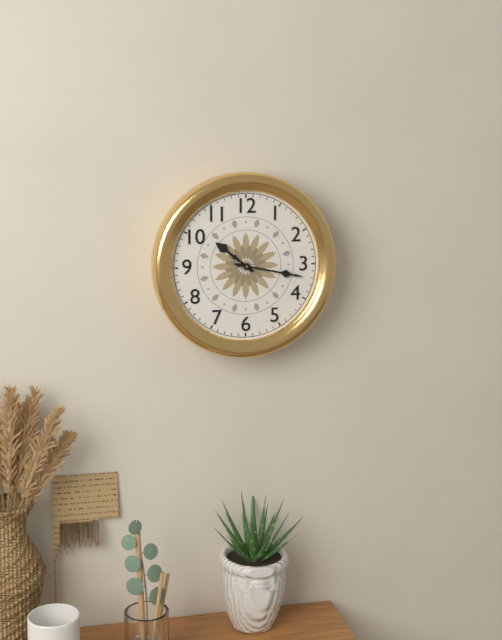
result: h=10 m=17
